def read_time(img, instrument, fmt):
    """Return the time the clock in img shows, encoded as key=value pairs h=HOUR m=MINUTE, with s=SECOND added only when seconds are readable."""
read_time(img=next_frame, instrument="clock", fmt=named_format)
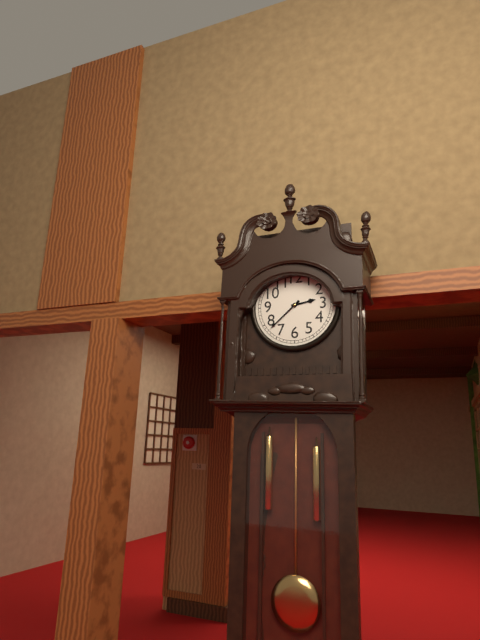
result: h=2 m=38
